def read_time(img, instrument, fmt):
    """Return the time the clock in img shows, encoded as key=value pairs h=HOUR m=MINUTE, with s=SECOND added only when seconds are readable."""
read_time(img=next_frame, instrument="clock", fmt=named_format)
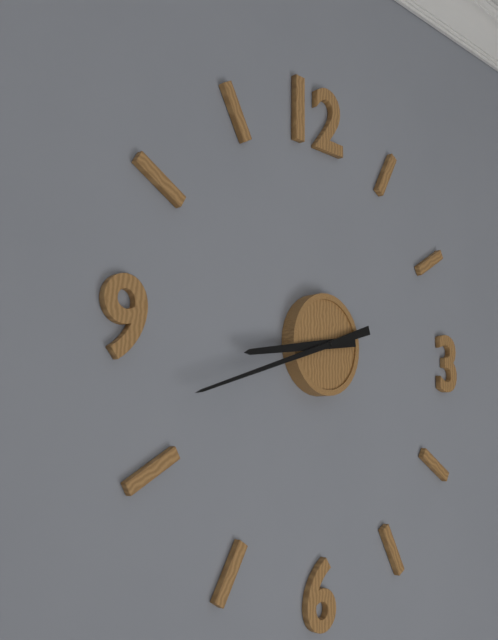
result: h=8 m=42
